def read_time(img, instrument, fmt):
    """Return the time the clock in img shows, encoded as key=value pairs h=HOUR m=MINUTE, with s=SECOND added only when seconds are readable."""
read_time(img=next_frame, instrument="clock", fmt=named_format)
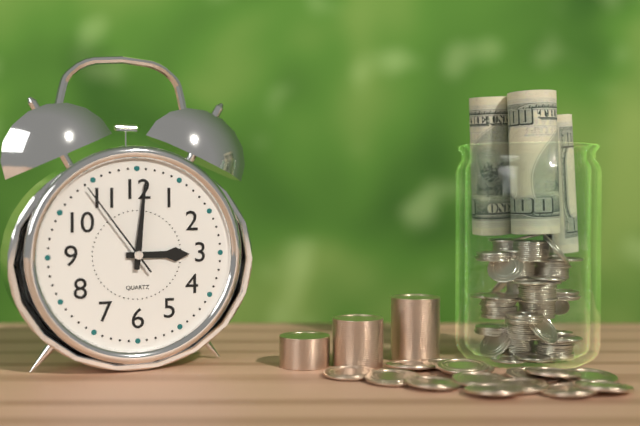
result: h=3 m=1 s=54
